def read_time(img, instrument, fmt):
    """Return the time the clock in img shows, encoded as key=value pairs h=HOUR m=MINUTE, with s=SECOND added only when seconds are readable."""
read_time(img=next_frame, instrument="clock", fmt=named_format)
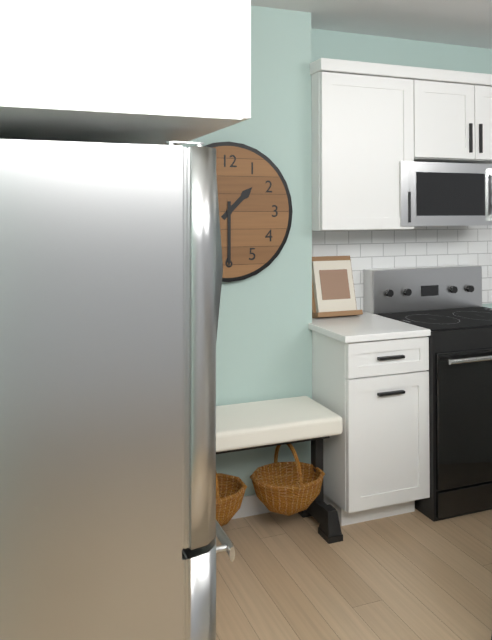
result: h=1 m=30
